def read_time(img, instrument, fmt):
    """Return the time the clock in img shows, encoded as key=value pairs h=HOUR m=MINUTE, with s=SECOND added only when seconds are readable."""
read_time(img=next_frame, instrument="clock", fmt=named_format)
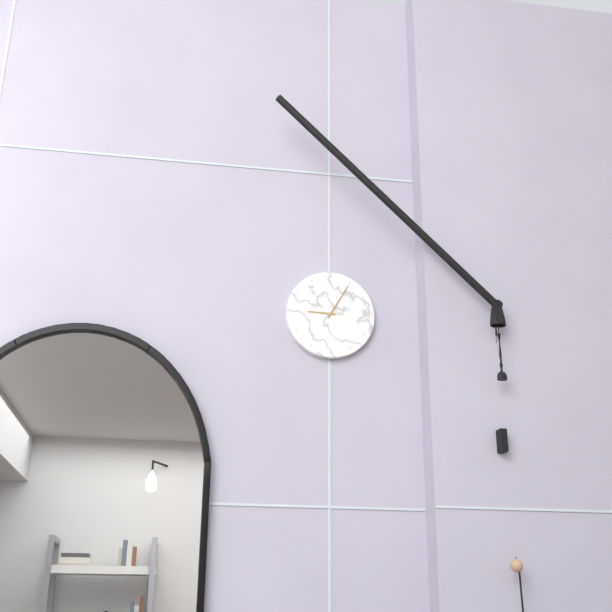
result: h=9 m=5
